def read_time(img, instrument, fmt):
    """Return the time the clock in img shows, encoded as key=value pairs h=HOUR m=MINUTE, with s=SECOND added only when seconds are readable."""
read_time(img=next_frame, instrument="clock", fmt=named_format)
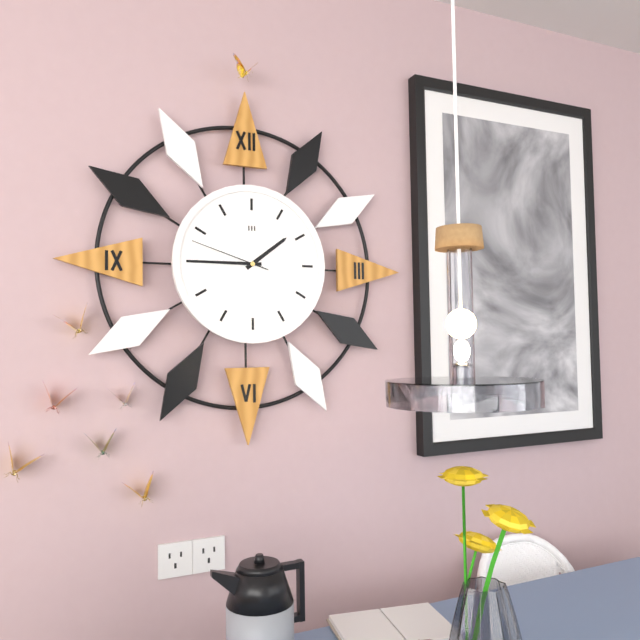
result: h=1 m=45 s=48
